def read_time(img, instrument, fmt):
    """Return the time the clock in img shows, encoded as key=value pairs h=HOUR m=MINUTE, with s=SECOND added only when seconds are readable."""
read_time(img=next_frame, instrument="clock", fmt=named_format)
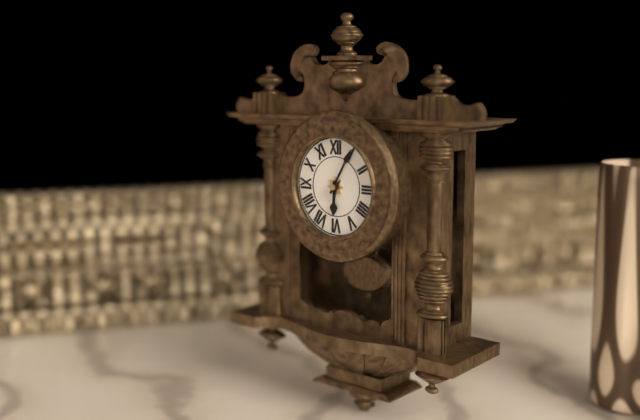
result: h=6 m=5
